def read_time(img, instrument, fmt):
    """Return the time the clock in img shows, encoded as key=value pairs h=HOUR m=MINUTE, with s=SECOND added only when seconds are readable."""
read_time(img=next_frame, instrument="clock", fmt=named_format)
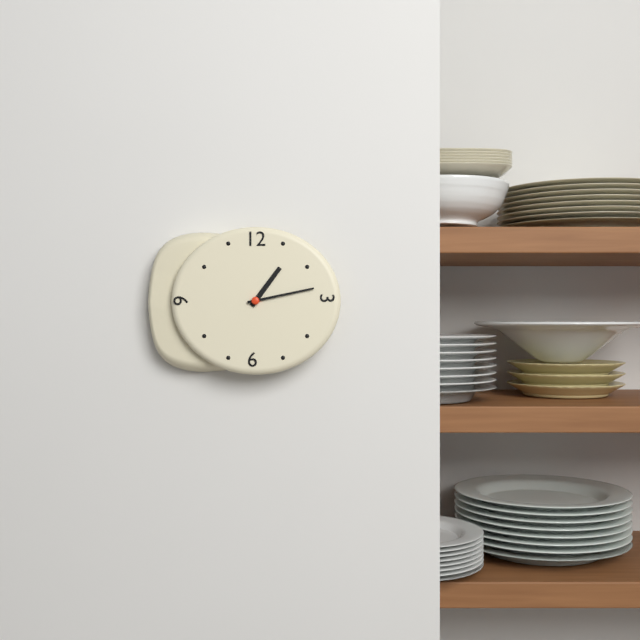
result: h=1 m=13
